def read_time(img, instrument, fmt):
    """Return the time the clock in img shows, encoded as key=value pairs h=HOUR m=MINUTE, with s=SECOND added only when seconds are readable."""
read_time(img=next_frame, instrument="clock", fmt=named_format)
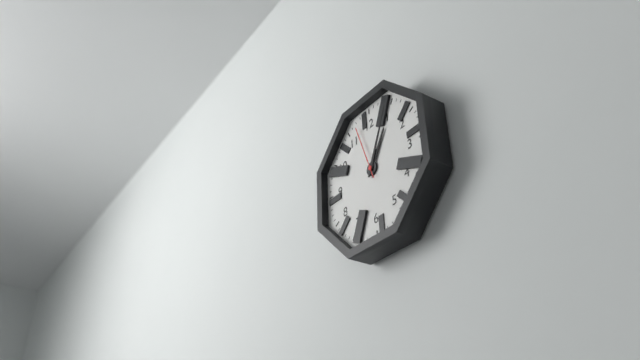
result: h=1 m=4 s=57
